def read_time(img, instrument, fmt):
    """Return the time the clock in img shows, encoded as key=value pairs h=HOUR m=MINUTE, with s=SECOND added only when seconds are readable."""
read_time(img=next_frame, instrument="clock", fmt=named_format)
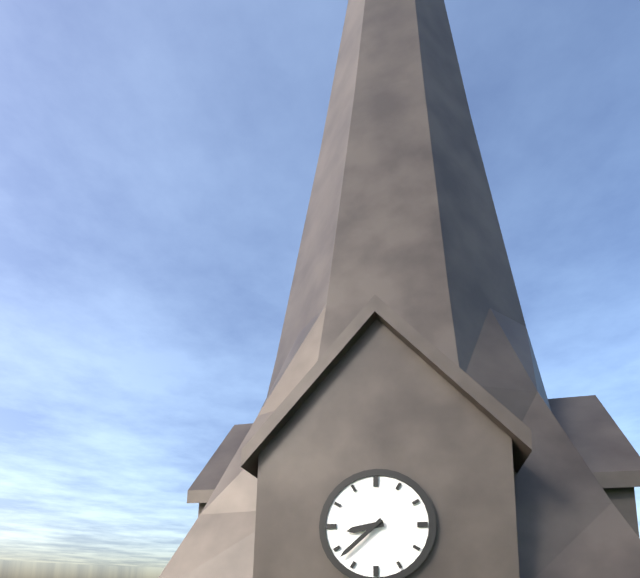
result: h=8 m=38
